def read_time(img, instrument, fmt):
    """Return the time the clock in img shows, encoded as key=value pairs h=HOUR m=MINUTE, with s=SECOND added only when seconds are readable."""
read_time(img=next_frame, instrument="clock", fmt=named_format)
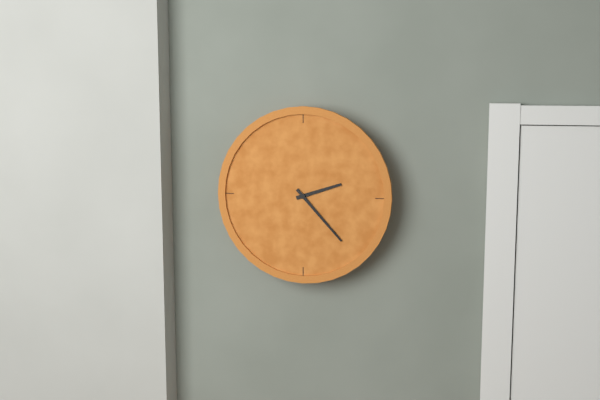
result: h=2 m=23
